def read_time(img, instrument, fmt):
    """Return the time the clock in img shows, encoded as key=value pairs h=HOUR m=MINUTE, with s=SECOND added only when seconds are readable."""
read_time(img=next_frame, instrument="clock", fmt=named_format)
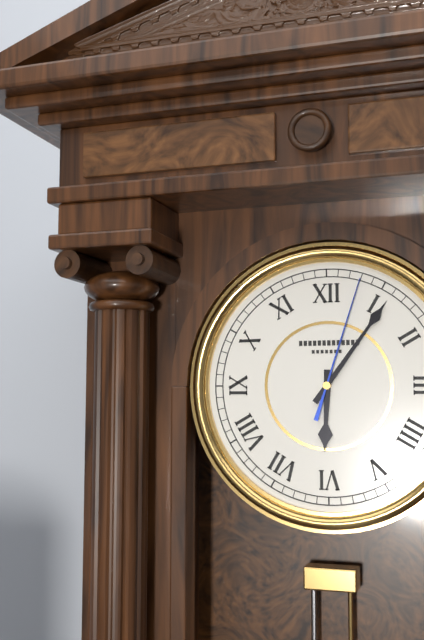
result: h=6 m=6 s=3
